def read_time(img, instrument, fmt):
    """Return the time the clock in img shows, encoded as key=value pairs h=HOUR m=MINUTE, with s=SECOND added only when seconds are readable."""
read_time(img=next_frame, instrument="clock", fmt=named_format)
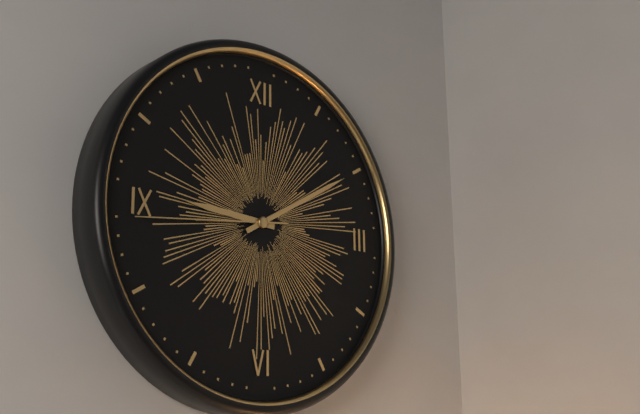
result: h=9 m=10 s=44
